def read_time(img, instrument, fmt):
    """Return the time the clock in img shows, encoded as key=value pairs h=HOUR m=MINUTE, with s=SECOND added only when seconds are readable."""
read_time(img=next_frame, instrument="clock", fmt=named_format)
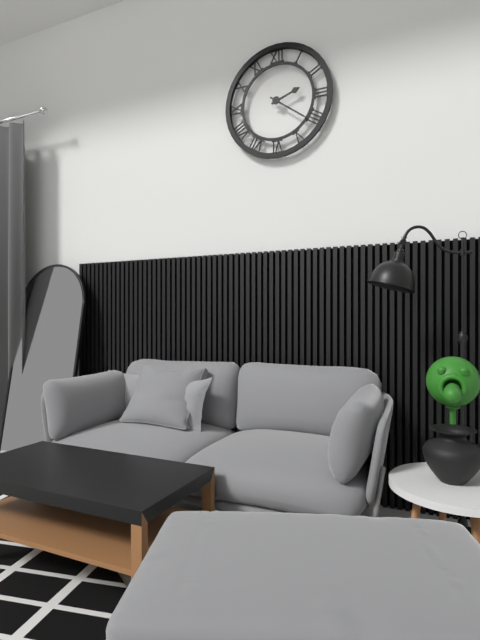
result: h=2 m=21
